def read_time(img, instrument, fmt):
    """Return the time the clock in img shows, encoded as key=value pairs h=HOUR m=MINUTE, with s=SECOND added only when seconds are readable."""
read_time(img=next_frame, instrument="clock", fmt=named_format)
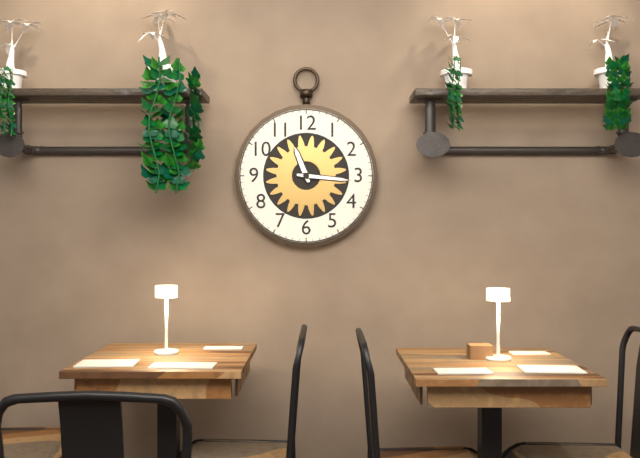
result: h=11 m=16
